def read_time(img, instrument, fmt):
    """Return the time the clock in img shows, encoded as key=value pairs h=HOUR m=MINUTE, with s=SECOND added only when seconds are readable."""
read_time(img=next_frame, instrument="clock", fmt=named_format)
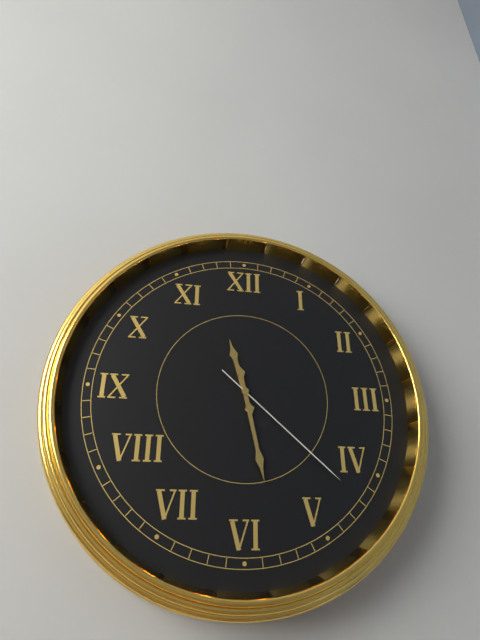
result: h=11 m=28 s=22
